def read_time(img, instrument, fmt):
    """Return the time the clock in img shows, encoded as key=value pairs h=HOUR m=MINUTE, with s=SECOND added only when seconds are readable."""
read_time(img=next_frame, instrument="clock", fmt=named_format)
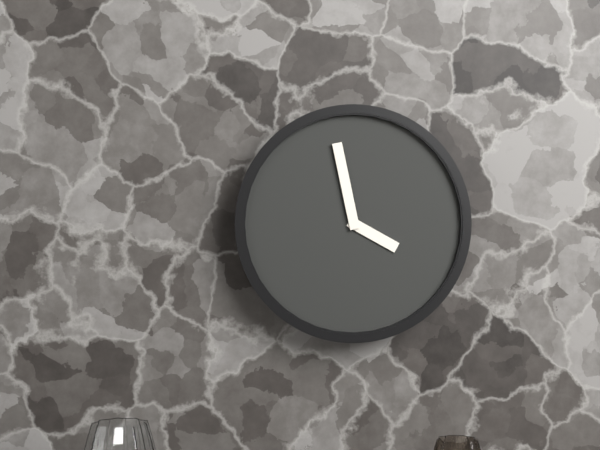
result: h=3 m=58
